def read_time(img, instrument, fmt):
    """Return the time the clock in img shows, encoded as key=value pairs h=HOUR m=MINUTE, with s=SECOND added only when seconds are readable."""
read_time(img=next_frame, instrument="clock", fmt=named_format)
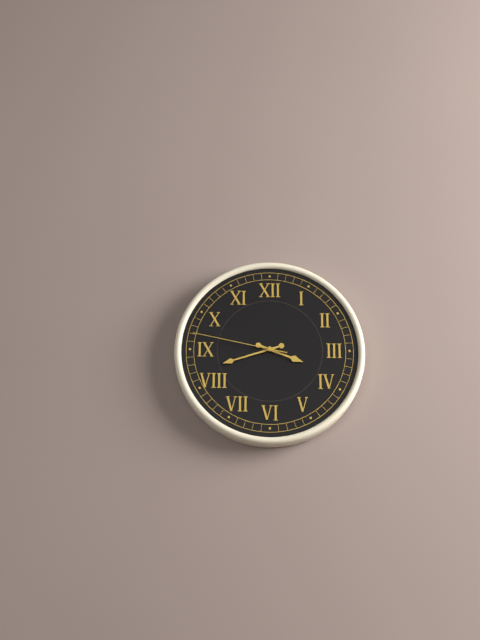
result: h=3 m=42 s=47
